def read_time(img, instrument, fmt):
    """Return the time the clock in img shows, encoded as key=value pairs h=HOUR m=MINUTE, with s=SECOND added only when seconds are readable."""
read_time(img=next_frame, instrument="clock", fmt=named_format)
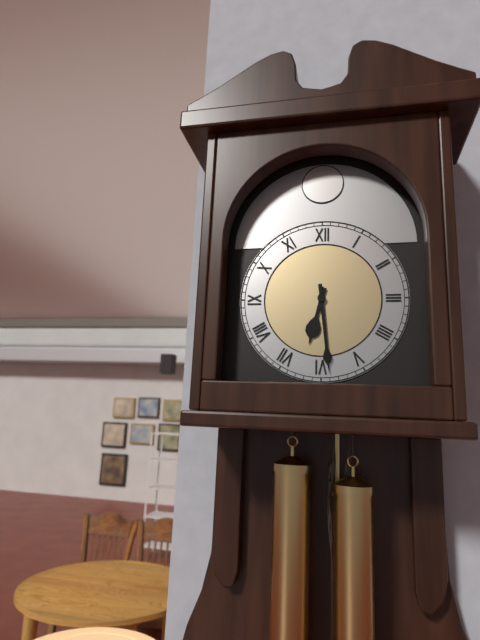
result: h=6 m=29
